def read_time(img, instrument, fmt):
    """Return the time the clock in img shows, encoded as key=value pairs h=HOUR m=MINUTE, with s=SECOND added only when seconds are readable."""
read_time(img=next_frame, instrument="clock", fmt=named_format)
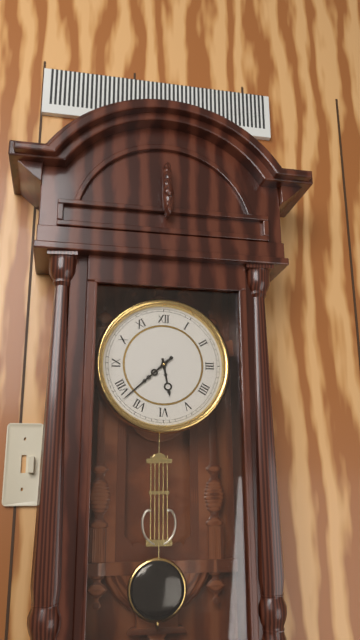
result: h=5 m=38
